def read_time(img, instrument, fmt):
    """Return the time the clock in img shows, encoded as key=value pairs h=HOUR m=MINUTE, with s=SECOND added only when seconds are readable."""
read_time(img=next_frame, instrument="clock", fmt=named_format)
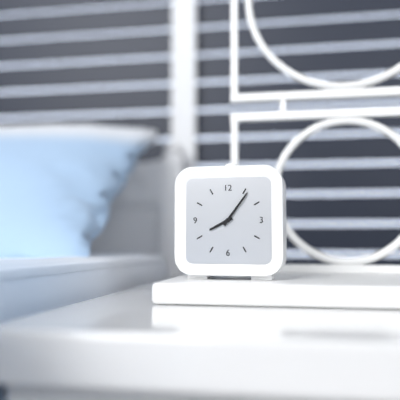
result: h=8 m=6
